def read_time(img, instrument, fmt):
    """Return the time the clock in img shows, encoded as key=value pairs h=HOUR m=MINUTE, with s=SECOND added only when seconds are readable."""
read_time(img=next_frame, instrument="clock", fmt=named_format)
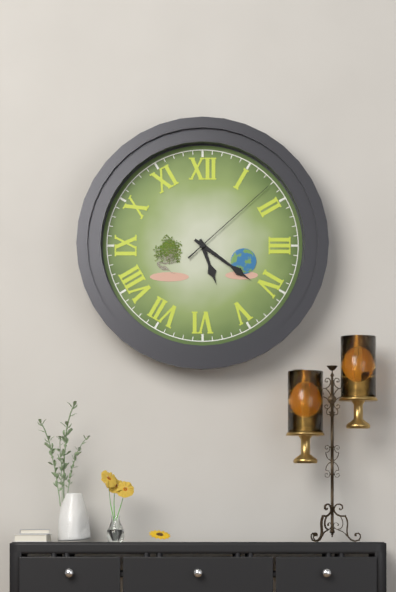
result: h=5 m=21 s=8
